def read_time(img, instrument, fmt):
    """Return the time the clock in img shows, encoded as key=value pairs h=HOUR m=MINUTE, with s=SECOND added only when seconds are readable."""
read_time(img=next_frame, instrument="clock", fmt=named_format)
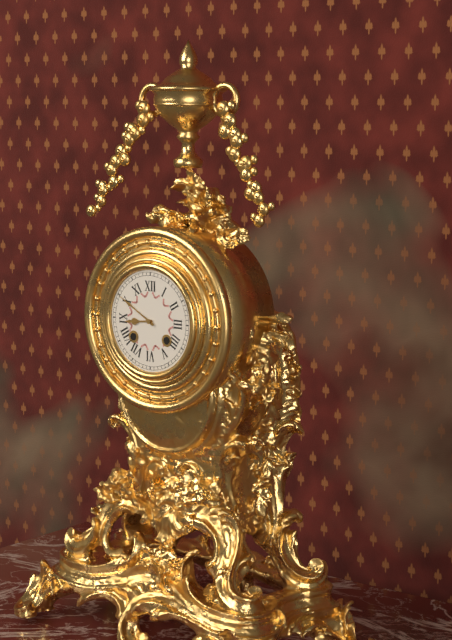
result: h=8 m=50
